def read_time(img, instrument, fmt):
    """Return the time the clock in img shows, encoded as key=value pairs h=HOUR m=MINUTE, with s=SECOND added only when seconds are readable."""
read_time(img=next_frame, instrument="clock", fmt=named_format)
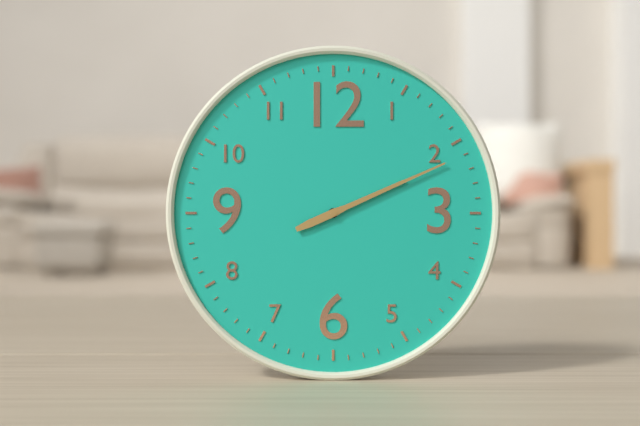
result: h=2 m=11
